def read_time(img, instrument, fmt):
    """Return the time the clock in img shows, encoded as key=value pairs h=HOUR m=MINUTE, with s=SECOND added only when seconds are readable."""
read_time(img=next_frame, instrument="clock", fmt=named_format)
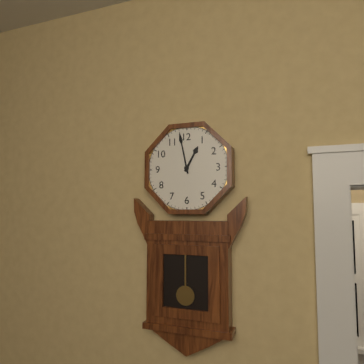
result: h=12 m=58
